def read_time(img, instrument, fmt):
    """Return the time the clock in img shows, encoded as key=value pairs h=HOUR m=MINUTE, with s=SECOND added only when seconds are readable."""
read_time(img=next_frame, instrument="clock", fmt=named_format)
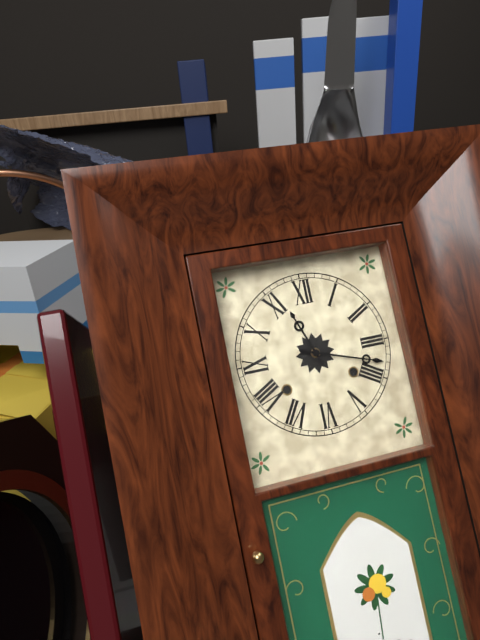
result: h=11 m=18
